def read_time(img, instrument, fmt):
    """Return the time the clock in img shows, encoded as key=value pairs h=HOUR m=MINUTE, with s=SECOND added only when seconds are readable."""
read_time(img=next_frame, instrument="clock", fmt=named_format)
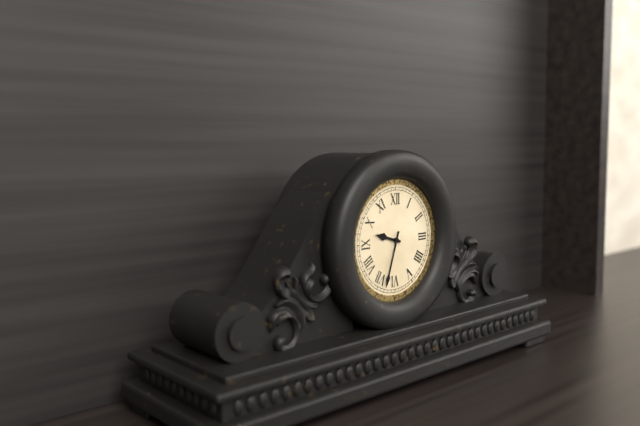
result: h=9 m=33
